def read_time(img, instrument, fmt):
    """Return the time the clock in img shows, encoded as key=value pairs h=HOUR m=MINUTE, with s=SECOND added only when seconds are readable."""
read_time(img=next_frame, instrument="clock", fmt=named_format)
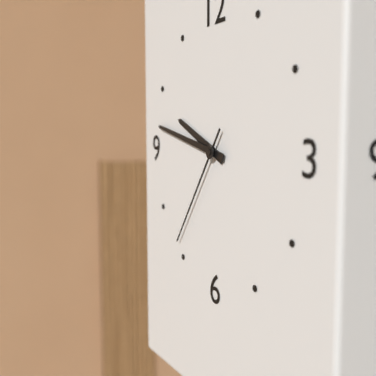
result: h=9 m=47 s=36
